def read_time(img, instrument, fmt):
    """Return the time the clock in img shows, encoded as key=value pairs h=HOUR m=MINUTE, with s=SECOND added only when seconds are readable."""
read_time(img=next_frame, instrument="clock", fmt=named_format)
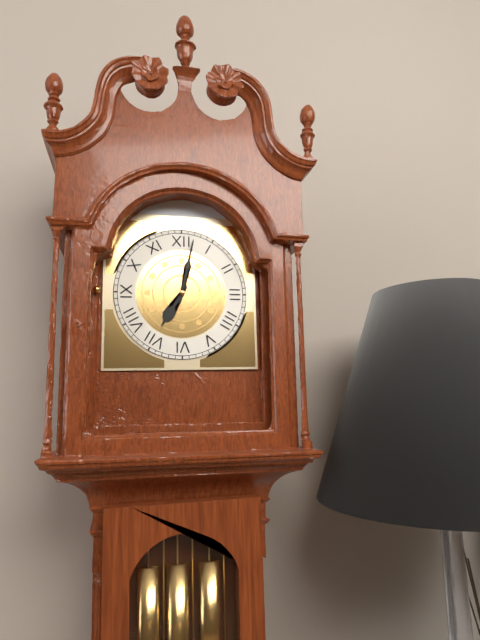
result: h=7 m=2
